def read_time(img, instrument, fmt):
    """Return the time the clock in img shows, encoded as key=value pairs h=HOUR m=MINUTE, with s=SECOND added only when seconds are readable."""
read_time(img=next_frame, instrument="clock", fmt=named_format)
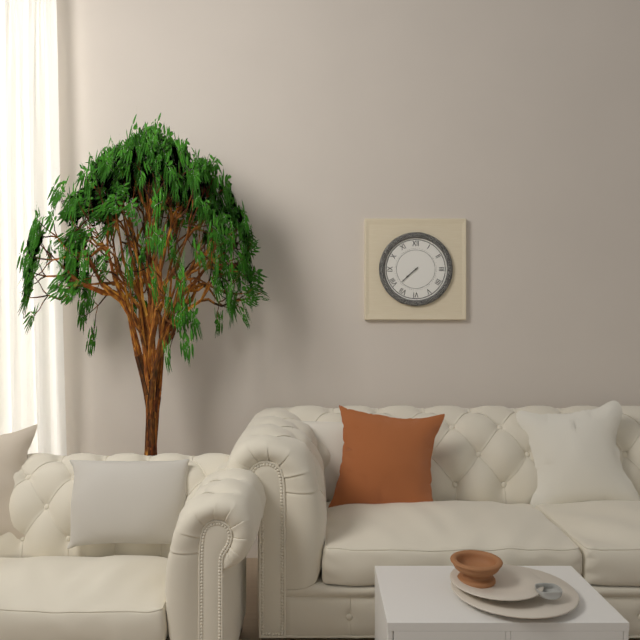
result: h=7 m=38
